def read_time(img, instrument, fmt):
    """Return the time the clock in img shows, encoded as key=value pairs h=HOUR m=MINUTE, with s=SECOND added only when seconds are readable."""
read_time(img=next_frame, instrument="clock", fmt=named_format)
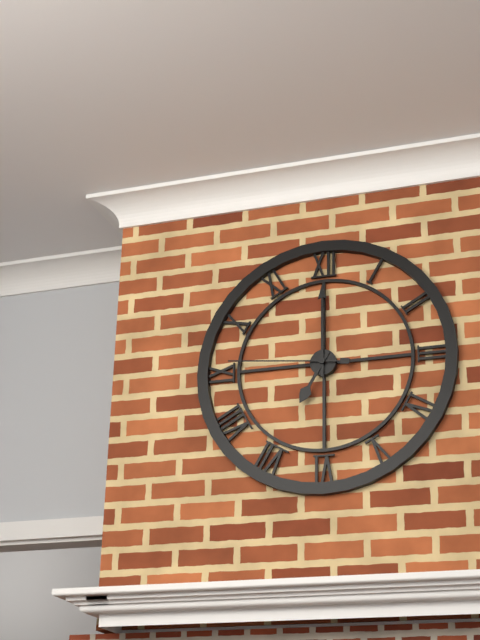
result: h=7 m=0 s=46
